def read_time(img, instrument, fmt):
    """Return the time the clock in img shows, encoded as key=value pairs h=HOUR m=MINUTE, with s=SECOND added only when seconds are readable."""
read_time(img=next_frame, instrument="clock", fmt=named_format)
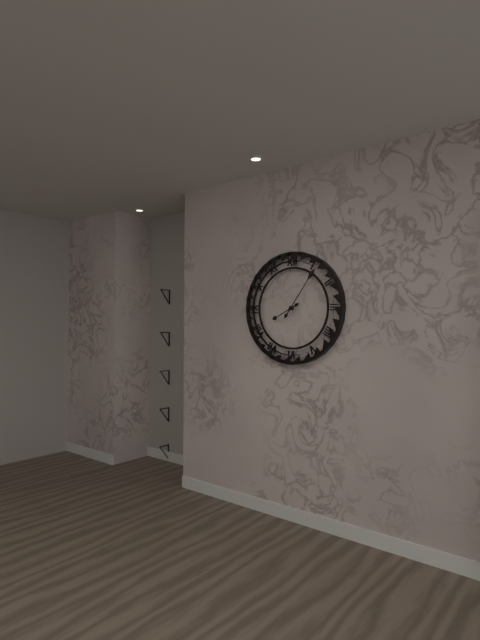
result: h=8 m=6
